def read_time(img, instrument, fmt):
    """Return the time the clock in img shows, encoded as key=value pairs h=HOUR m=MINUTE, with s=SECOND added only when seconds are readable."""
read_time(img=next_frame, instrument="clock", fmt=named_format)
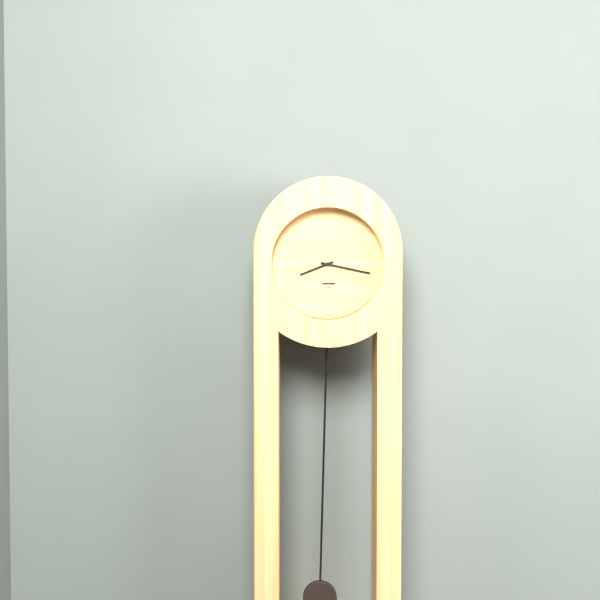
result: h=8 m=17
